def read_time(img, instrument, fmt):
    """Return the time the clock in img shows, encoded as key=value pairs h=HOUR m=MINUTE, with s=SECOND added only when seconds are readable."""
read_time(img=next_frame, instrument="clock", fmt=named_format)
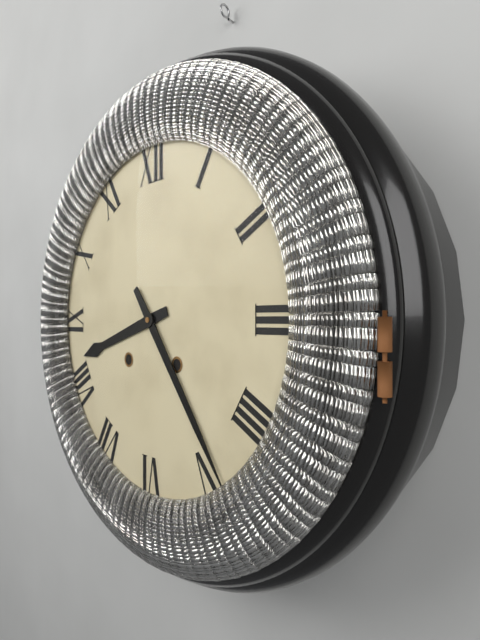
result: h=8 m=24
